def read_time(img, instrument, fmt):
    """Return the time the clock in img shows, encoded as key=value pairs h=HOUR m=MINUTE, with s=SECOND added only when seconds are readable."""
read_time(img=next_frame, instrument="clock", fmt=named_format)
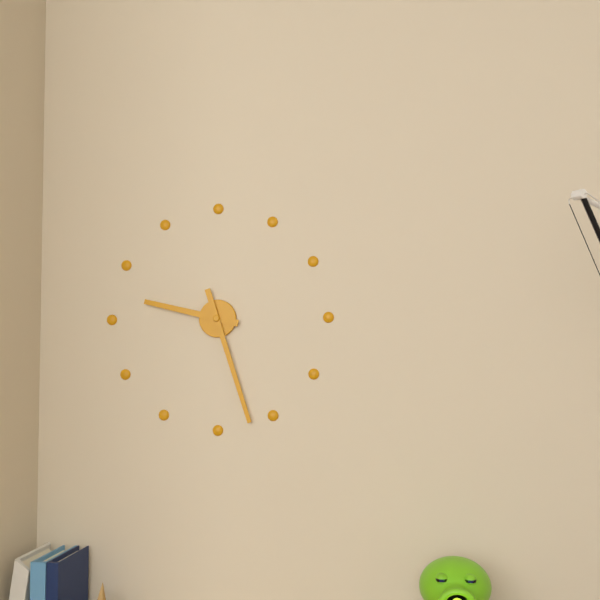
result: h=9 m=27
